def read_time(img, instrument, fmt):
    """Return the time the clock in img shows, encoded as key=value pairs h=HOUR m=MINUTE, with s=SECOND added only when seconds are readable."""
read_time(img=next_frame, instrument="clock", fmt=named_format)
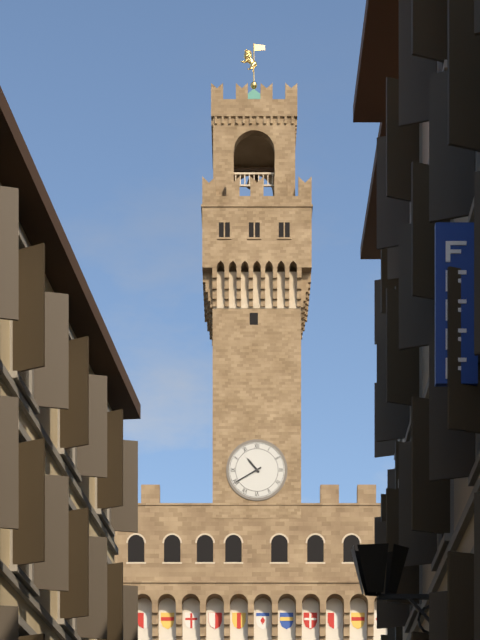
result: h=10 m=40
